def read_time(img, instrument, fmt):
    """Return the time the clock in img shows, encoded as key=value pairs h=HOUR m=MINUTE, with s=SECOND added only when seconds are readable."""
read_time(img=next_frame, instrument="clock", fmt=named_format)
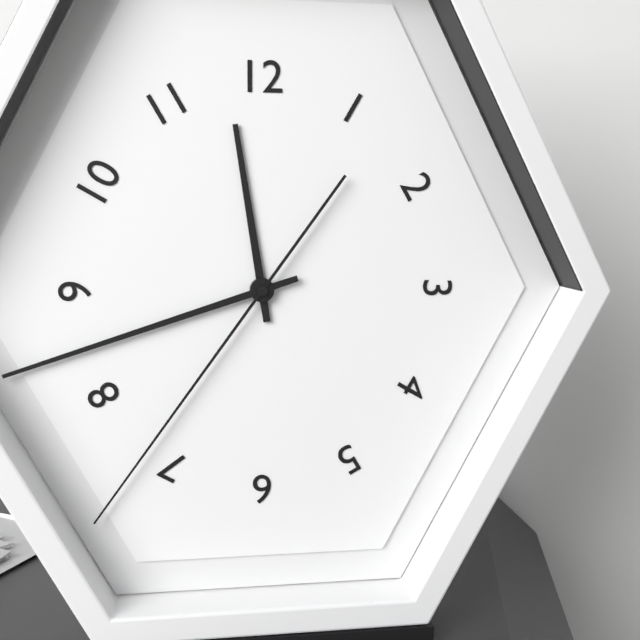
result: h=11 m=42 s=36
